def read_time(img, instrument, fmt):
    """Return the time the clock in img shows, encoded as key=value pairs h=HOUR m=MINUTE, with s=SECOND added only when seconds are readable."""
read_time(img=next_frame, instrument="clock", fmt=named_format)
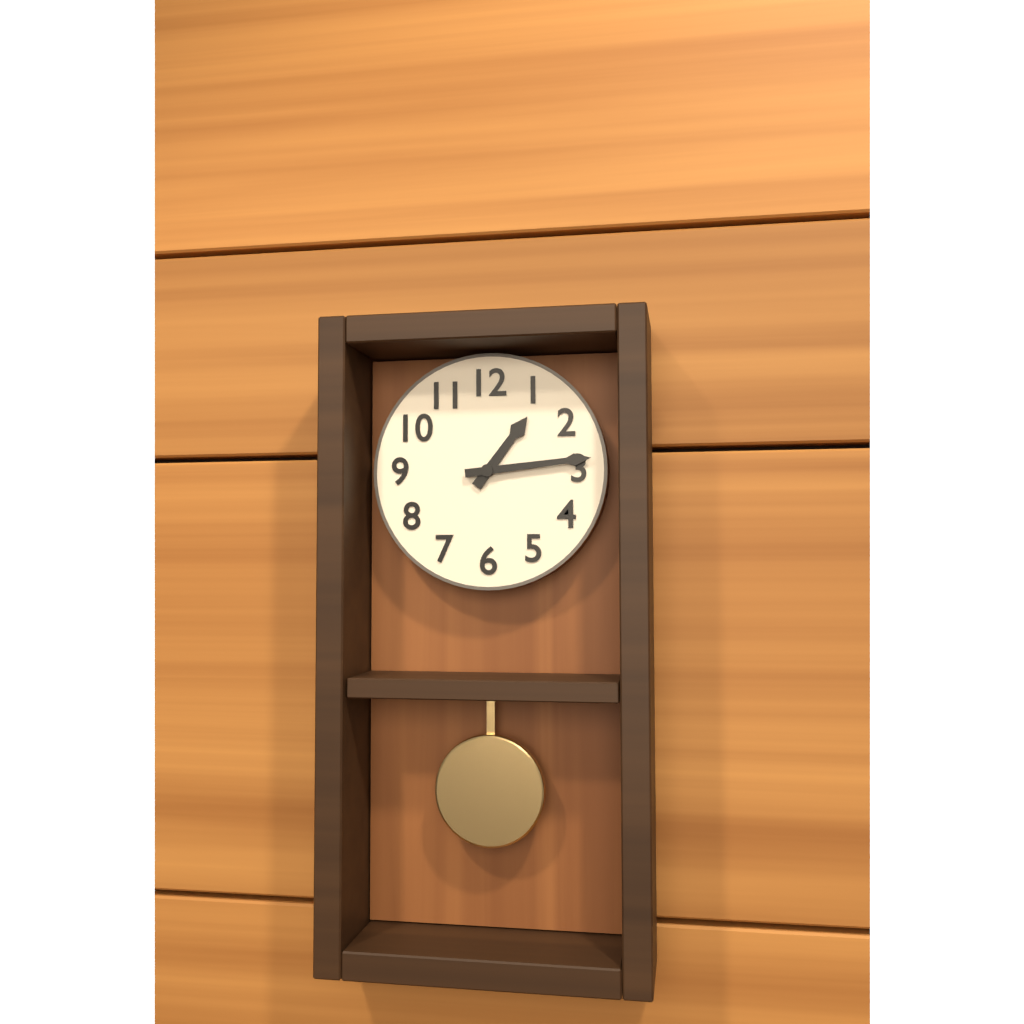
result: h=1 m=14
